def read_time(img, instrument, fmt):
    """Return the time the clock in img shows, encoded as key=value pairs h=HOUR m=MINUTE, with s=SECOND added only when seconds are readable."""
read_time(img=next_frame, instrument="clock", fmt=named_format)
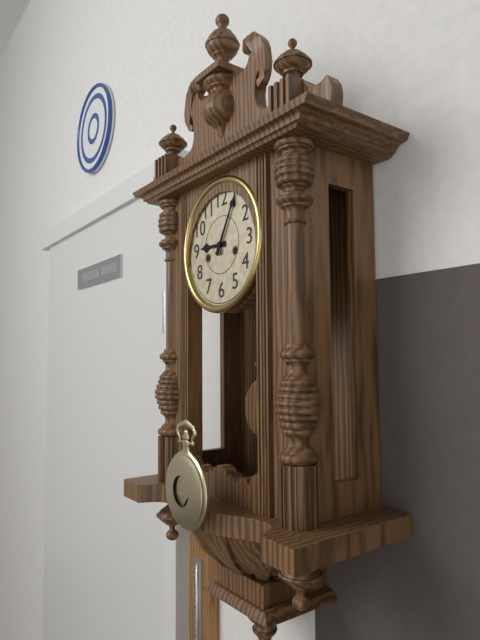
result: h=9 m=5
